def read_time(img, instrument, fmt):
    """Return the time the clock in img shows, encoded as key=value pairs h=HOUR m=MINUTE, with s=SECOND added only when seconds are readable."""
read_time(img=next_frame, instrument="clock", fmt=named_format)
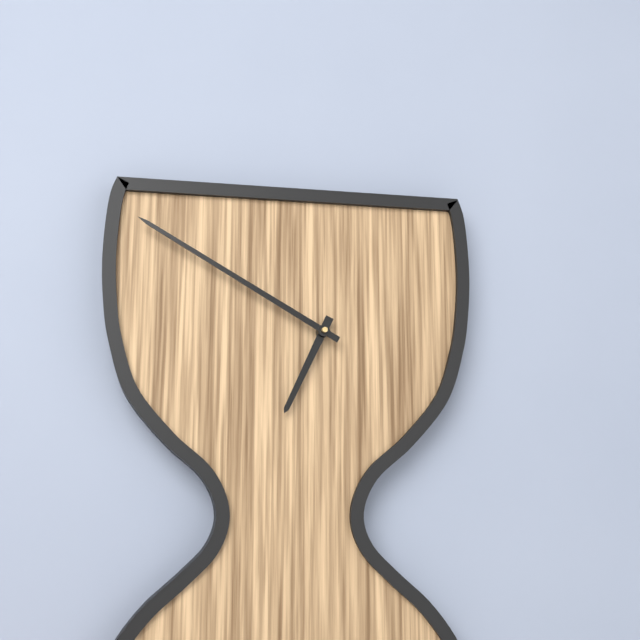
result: h=6 m=50
